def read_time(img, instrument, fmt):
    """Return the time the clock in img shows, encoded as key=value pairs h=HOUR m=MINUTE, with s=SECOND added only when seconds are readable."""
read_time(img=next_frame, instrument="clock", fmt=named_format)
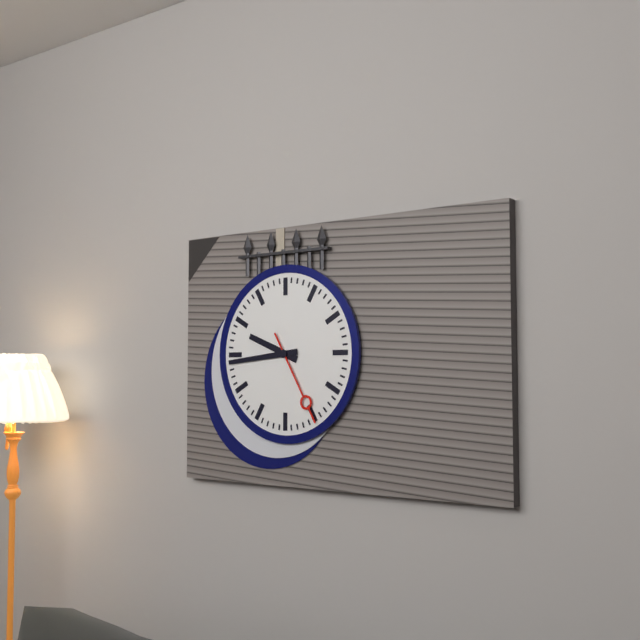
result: h=9 m=44 s=25
